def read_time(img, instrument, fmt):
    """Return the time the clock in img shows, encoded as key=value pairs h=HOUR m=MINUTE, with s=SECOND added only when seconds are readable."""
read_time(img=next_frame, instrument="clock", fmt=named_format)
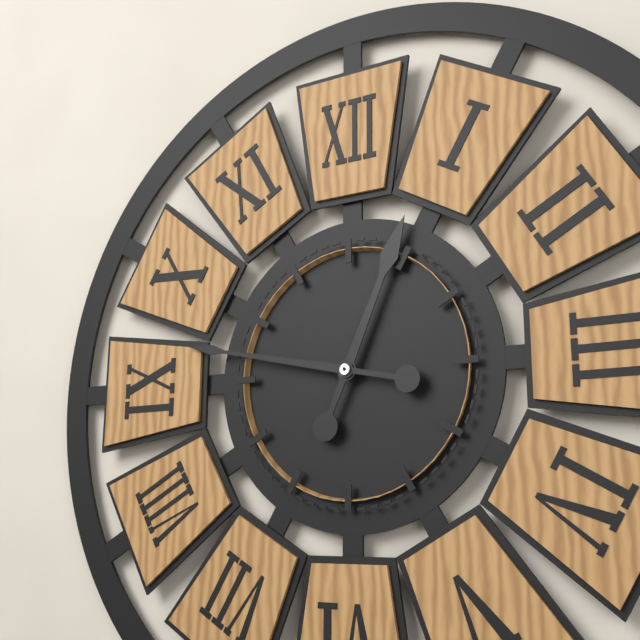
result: h=12 m=47
